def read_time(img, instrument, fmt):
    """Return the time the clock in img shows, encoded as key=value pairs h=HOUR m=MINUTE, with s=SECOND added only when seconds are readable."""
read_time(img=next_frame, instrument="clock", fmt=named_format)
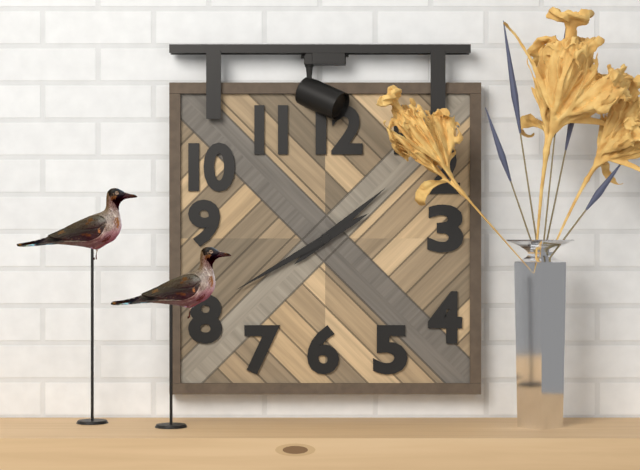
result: h=1 m=40
